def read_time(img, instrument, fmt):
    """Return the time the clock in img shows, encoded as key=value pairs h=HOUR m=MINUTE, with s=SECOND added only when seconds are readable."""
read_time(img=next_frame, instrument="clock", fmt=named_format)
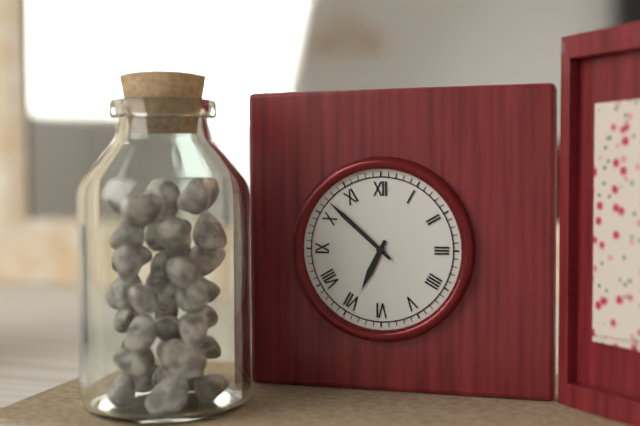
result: h=6 m=52
